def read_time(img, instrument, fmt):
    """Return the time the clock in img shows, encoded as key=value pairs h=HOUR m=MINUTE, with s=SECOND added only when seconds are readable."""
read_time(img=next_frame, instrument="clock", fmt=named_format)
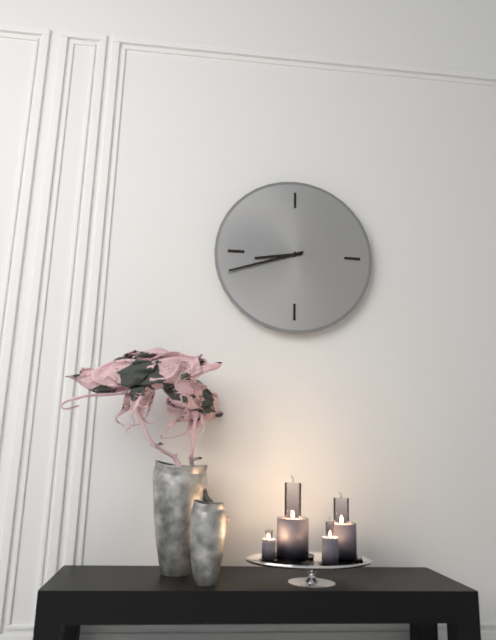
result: h=8 m=42
